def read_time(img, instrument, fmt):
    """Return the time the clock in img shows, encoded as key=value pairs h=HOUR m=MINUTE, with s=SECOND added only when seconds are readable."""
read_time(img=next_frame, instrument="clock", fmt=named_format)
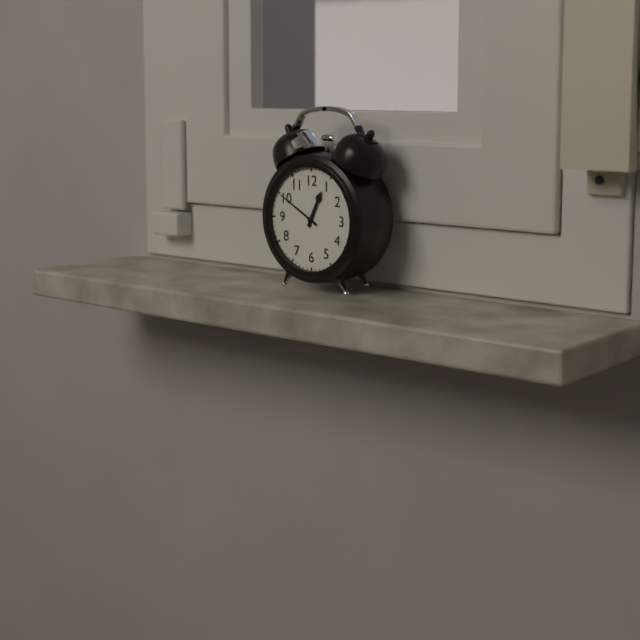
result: h=12 m=50
